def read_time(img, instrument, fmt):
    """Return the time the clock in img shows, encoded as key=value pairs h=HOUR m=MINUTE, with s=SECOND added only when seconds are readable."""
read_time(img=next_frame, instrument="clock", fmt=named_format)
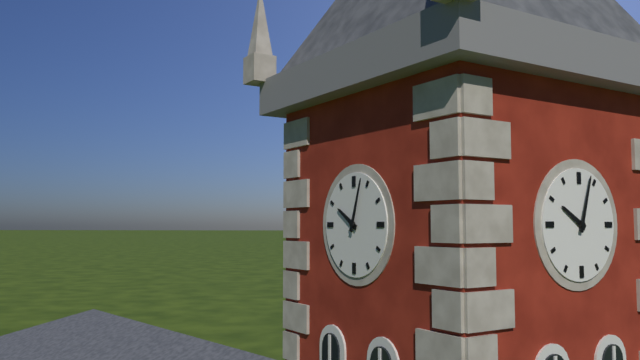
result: h=10 m=3
